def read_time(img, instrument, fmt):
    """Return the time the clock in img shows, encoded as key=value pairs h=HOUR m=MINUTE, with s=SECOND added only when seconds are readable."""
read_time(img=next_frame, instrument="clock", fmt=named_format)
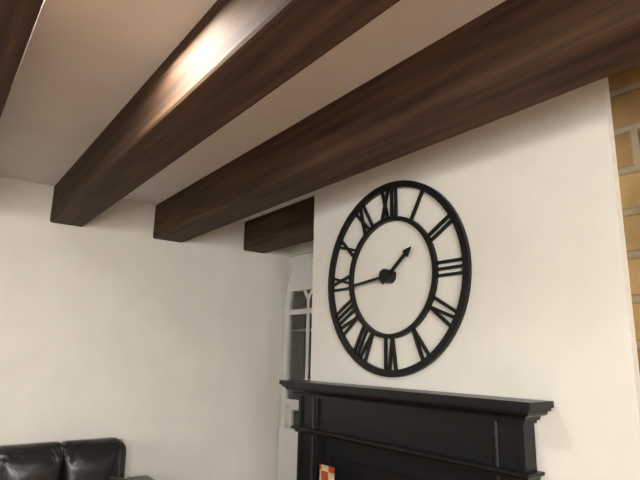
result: h=1 m=44
